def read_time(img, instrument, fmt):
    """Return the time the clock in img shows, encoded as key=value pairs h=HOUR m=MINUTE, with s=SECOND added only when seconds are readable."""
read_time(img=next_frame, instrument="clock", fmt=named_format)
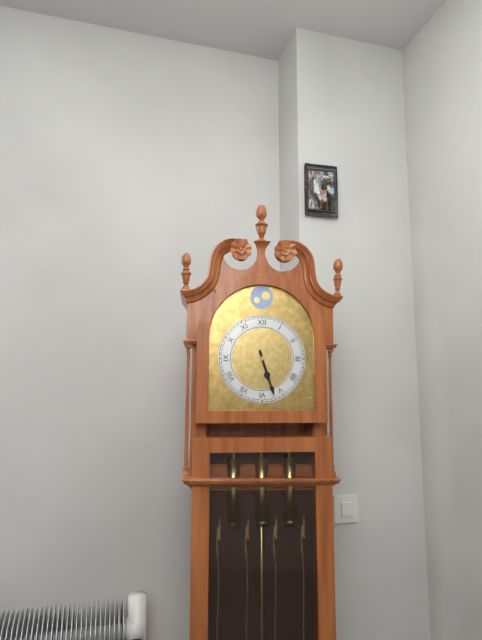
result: h=5 m=27
